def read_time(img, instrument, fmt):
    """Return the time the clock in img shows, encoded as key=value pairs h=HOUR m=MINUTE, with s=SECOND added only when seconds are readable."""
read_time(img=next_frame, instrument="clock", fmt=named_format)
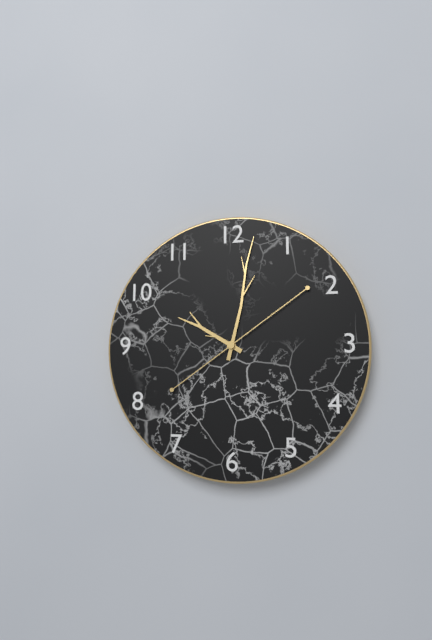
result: h=10 m=2 s=9
